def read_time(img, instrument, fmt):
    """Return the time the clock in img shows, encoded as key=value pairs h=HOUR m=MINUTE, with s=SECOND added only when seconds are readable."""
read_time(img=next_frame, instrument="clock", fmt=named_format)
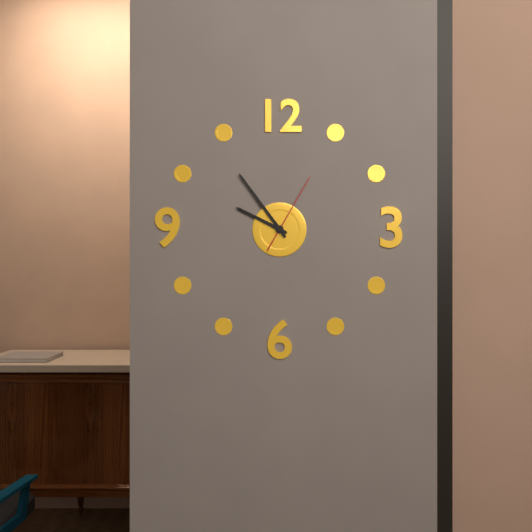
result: h=9 m=54 s=5
